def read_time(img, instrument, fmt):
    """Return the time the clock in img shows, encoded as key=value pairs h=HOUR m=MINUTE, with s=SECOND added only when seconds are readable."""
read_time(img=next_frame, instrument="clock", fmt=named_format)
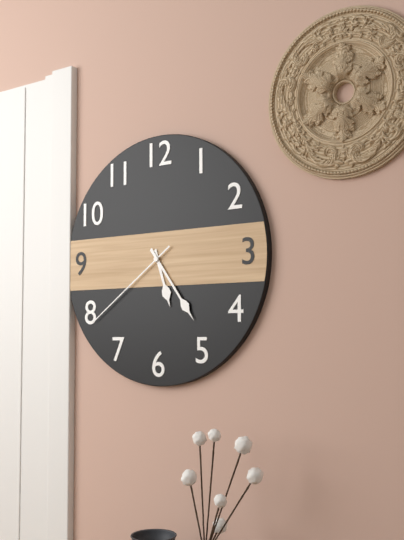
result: h=5 m=24 s=39
